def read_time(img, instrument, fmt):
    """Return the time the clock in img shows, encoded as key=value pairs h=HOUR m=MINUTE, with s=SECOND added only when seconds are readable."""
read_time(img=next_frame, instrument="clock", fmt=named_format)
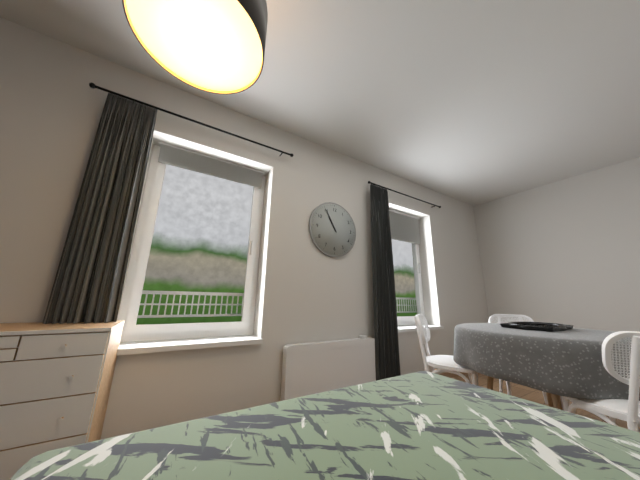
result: h=10 m=55
